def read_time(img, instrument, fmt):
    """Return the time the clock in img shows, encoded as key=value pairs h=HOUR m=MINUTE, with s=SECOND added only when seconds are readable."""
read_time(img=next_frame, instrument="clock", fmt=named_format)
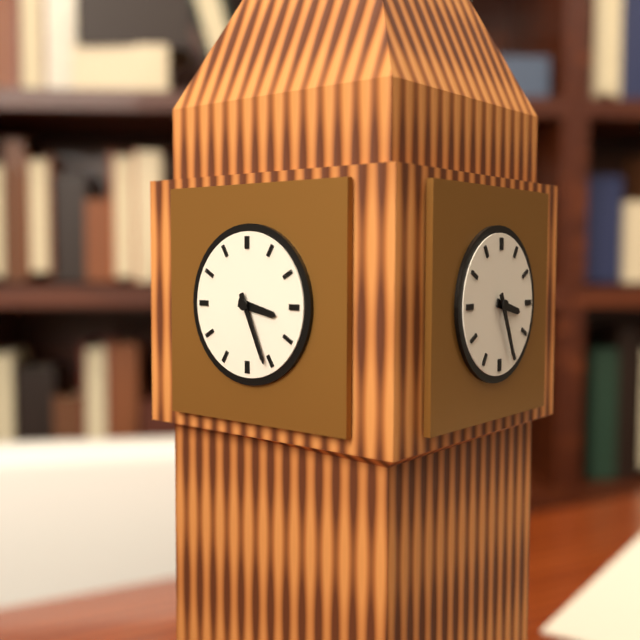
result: h=3 m=26
